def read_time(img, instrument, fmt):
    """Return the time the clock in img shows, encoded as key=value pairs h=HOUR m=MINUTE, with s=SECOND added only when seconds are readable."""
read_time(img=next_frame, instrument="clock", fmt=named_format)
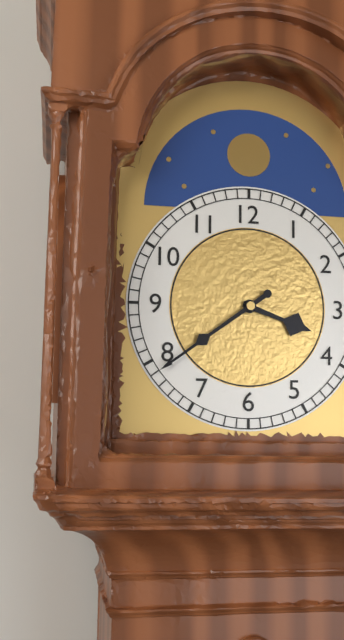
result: h=3 m=39
